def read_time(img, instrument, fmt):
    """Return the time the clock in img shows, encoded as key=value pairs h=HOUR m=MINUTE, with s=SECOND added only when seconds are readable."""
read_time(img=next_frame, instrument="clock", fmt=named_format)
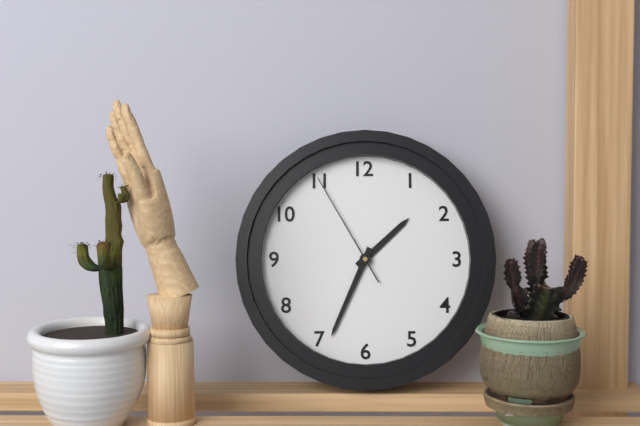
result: h=1 m=34 s=55
